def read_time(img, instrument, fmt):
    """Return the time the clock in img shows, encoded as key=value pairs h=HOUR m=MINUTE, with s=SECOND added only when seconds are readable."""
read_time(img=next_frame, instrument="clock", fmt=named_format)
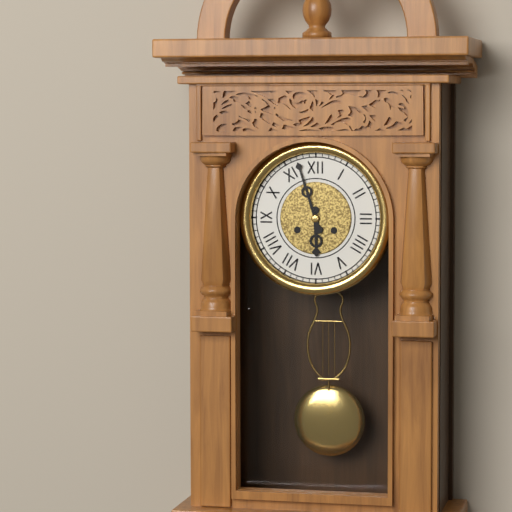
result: h=5 m=57
